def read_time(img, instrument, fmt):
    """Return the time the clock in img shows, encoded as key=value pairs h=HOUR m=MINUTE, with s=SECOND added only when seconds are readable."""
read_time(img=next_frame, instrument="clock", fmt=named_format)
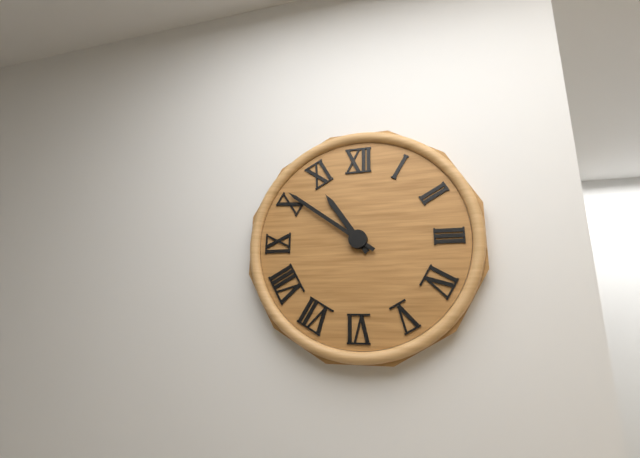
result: h=10 m=51
